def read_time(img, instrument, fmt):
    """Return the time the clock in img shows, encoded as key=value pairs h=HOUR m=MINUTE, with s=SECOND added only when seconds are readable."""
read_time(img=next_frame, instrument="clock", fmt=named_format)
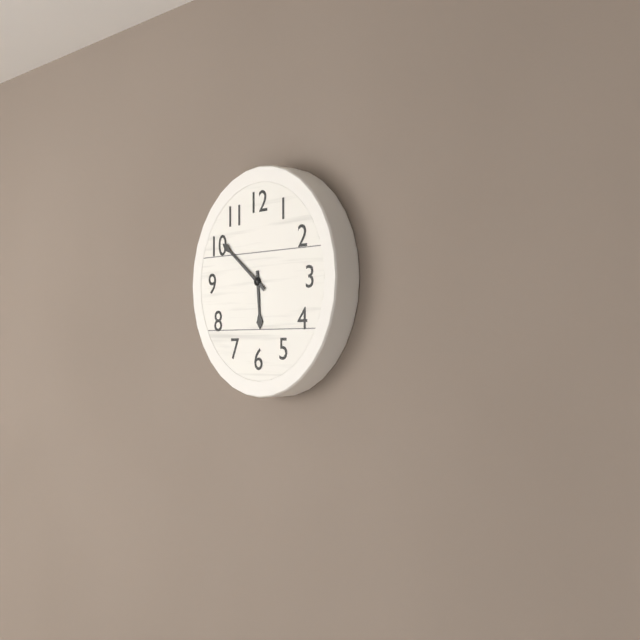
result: h=5 m=51
